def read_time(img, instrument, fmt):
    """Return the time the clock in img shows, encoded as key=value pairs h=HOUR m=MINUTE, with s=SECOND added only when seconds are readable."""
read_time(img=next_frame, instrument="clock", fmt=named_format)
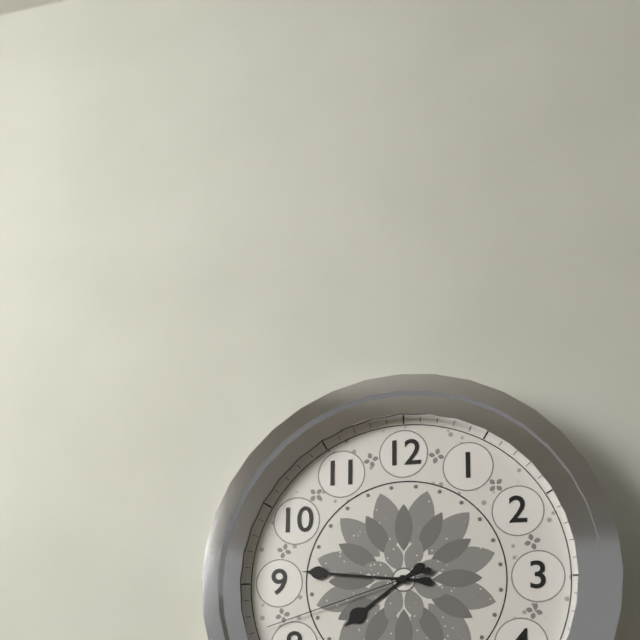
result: h=7 m=46 s=42
